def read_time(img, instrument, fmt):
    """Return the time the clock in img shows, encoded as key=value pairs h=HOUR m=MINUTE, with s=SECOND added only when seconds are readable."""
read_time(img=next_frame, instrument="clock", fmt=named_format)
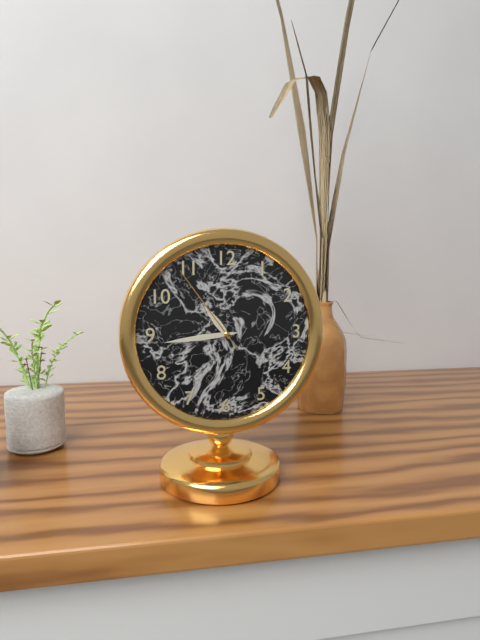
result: h=10 m=44 s=54
